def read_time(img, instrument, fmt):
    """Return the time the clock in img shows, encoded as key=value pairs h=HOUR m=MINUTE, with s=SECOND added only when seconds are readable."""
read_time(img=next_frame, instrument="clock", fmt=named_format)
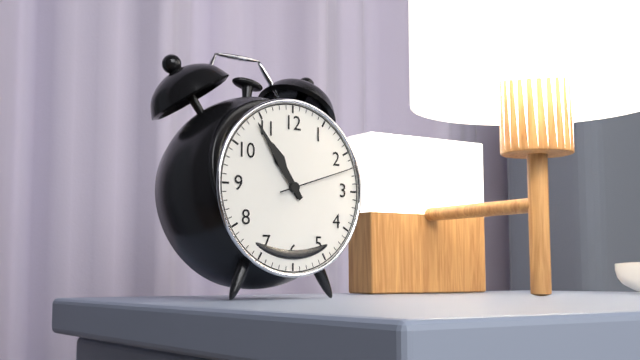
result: h=10 m=54 s=12
